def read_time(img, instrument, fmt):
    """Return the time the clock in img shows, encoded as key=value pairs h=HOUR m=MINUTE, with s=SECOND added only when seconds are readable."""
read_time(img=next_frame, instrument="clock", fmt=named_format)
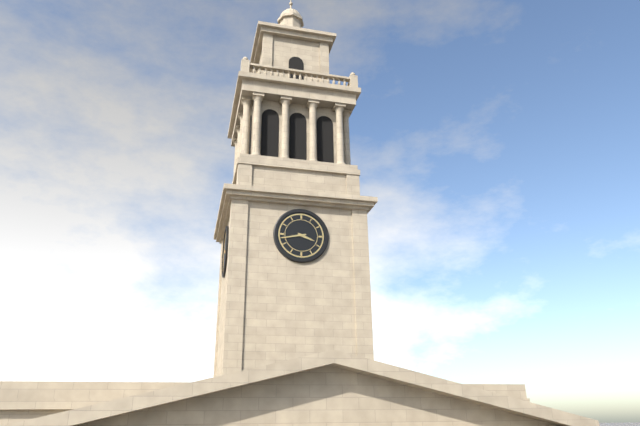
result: h=3 m=43
